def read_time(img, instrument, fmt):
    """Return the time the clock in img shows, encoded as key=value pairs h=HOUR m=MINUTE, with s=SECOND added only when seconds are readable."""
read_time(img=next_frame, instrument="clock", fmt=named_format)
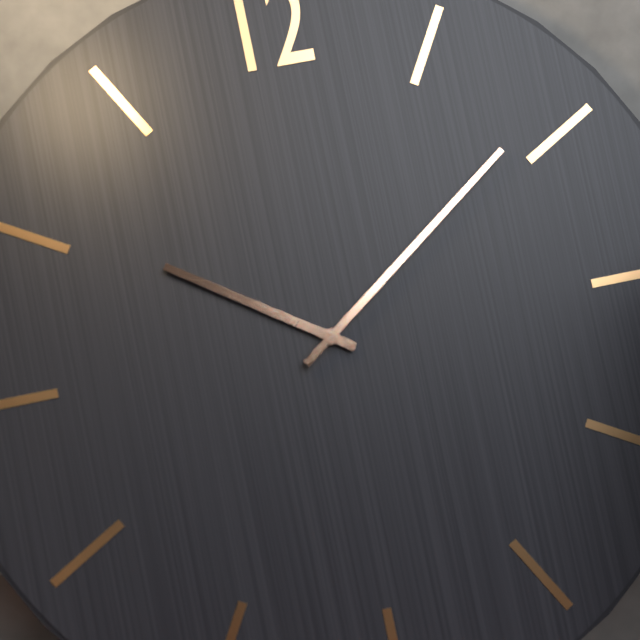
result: h=10 m=9
